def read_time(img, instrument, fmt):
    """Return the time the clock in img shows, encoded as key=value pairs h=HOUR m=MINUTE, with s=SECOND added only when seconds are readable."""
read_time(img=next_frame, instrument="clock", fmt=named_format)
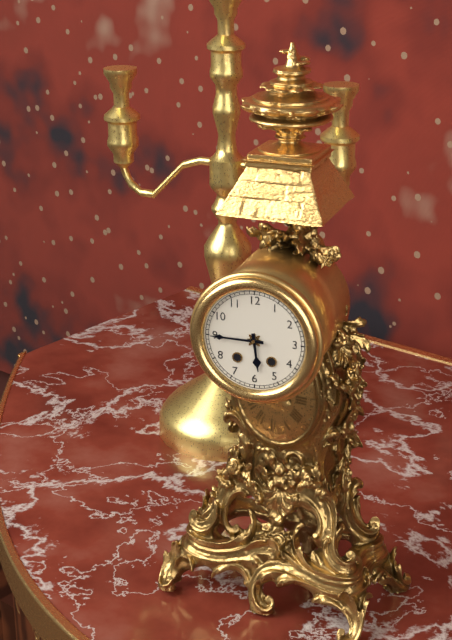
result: h=5 m=45
